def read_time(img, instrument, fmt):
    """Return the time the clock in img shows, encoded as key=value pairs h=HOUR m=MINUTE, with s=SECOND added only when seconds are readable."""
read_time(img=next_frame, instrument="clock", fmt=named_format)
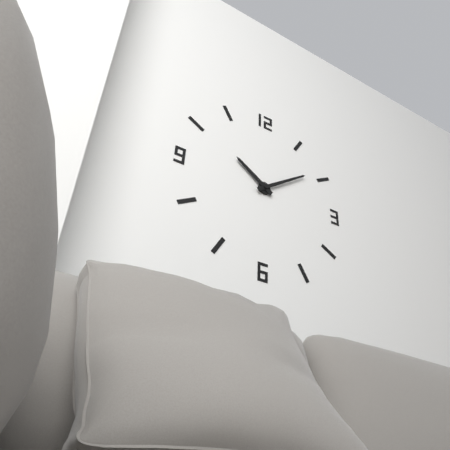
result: h=10 m=9
